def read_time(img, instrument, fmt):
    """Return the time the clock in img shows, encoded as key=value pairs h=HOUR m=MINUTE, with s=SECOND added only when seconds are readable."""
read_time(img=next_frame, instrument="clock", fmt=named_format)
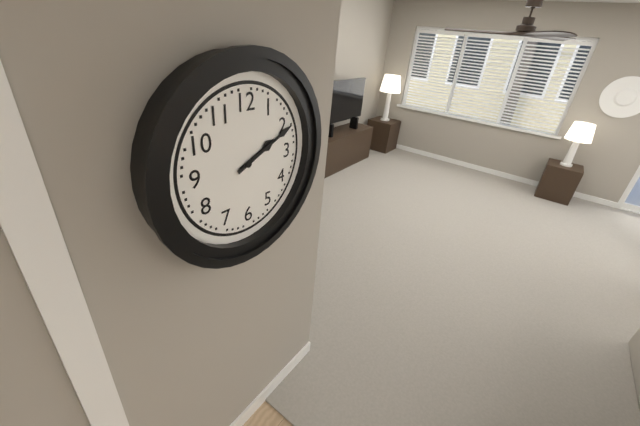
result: h=2 m=11
